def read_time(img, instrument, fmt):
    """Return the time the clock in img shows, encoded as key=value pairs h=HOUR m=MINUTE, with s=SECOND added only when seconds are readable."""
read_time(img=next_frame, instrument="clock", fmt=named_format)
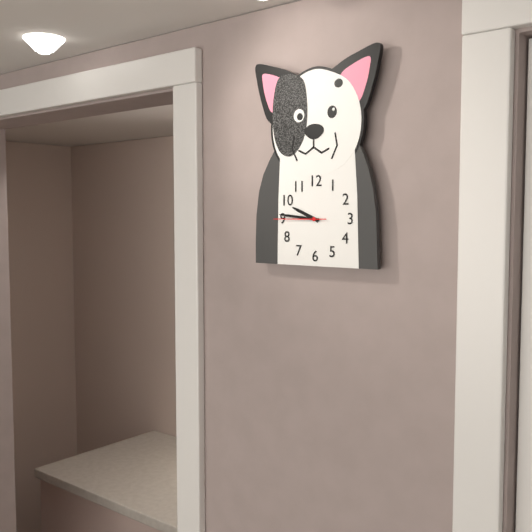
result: h=9 m=46 s=45
